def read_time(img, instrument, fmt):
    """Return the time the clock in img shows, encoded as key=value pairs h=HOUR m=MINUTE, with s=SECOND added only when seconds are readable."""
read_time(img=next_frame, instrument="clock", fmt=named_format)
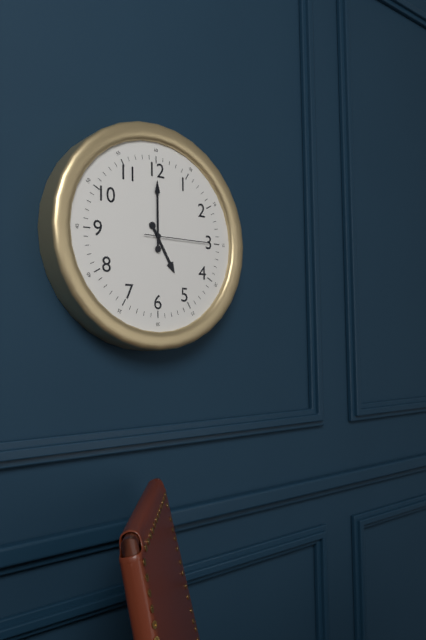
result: h=5 m=0 s=15
